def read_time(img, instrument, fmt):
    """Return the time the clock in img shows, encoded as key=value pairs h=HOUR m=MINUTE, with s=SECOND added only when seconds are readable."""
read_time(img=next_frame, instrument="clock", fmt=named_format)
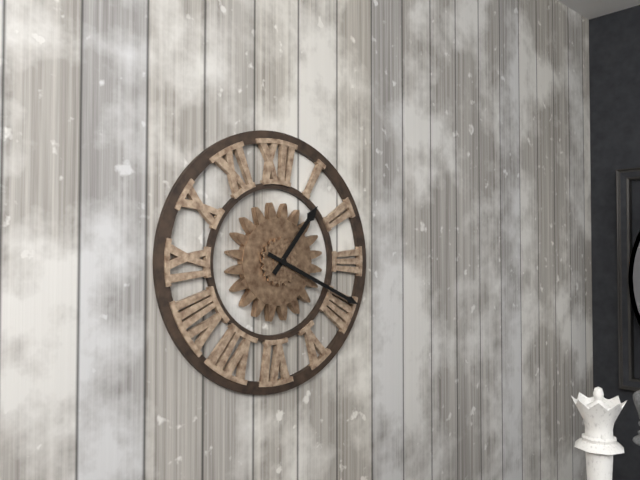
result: h=1 m=19
